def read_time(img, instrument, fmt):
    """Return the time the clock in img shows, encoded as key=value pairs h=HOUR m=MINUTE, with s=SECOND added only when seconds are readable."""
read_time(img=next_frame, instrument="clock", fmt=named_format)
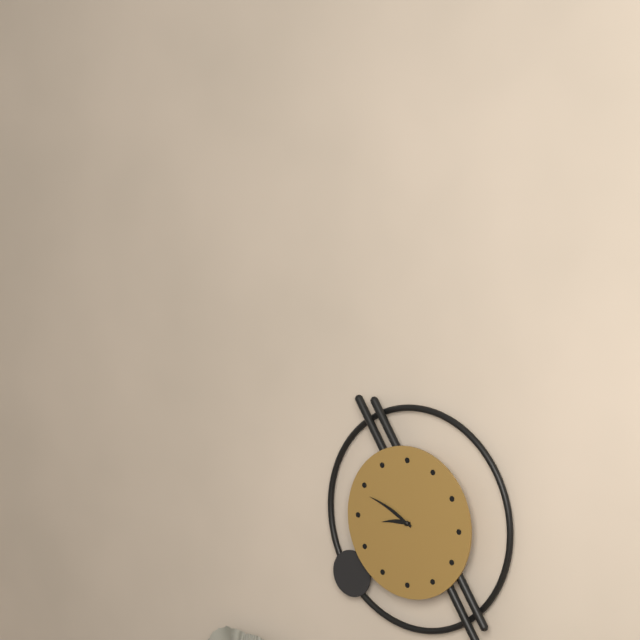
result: h=8 m=49
